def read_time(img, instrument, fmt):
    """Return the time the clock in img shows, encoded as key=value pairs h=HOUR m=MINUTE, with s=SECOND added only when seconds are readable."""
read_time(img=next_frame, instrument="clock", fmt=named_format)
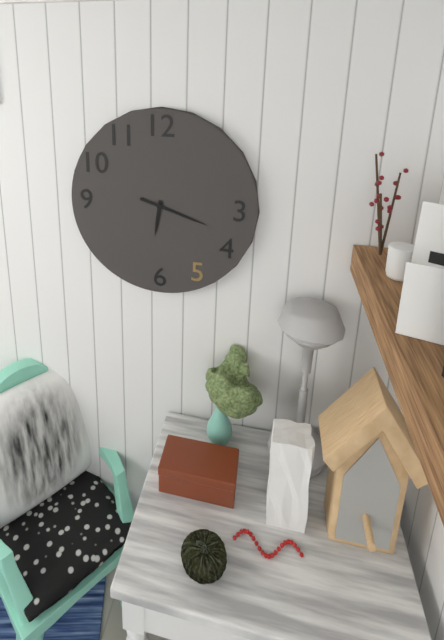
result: h=6 m=18
